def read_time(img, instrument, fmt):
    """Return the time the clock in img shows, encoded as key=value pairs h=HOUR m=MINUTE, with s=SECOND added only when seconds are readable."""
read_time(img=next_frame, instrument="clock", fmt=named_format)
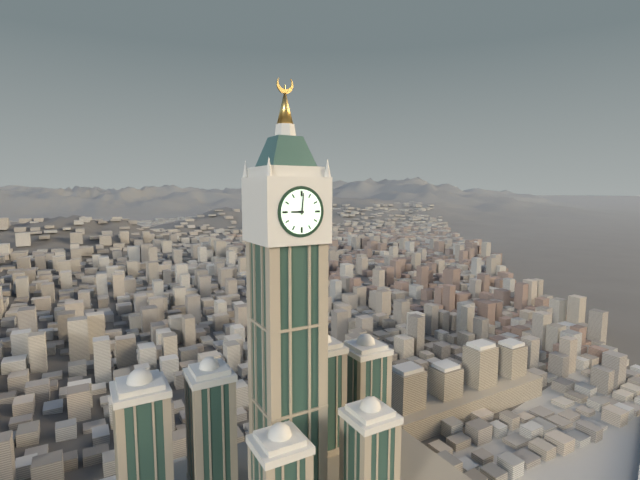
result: h=9 m=1
